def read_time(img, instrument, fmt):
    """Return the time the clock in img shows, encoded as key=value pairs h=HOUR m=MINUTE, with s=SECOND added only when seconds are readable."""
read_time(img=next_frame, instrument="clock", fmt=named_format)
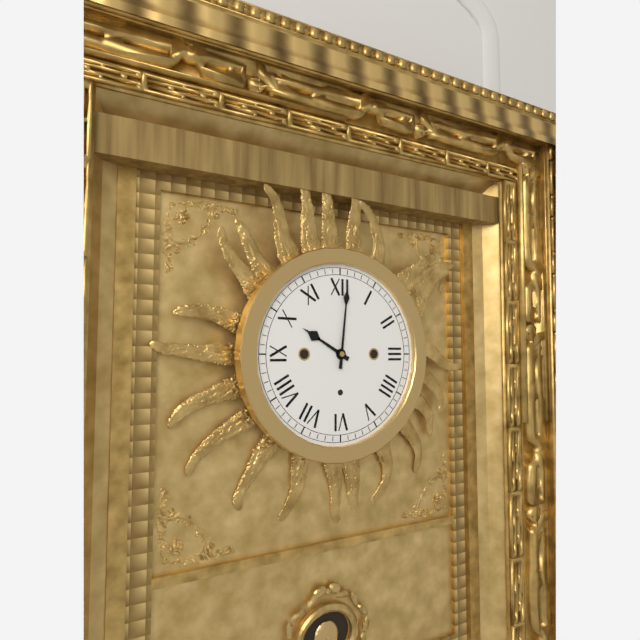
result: h=10 m=1
